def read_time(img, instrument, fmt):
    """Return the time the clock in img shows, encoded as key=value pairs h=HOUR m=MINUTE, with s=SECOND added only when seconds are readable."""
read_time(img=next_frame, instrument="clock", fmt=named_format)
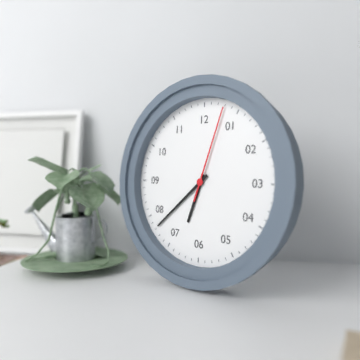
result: h=6 m=38 s=3
